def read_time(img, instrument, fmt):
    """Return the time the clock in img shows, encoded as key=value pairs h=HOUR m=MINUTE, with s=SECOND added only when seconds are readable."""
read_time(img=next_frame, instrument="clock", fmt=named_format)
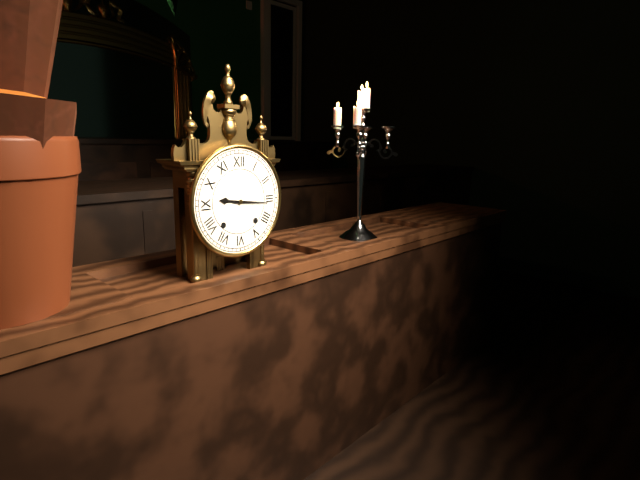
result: h=9 m=16
